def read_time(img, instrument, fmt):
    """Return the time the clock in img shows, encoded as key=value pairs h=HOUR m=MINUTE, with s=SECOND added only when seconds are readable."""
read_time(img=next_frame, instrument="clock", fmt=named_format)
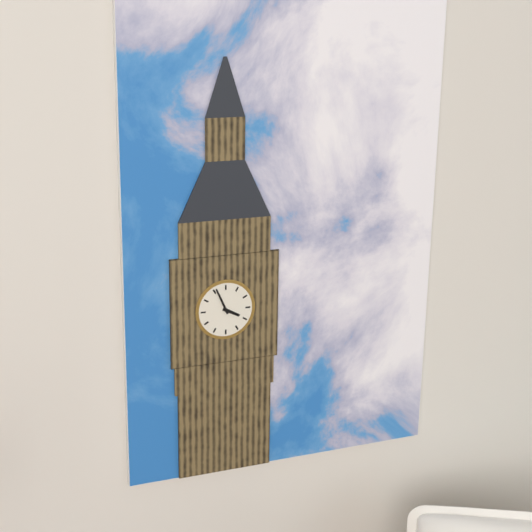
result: h=3 m=56
